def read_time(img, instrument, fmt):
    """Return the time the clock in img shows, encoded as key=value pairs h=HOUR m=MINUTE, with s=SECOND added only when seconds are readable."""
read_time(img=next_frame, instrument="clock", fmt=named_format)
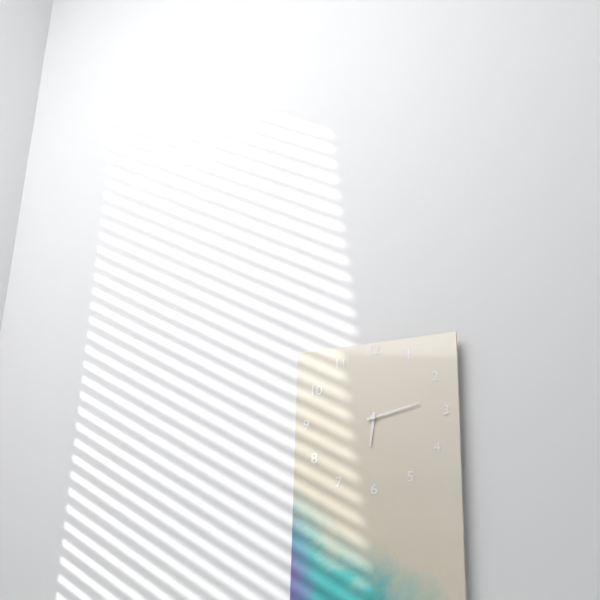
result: h=6 m=13
